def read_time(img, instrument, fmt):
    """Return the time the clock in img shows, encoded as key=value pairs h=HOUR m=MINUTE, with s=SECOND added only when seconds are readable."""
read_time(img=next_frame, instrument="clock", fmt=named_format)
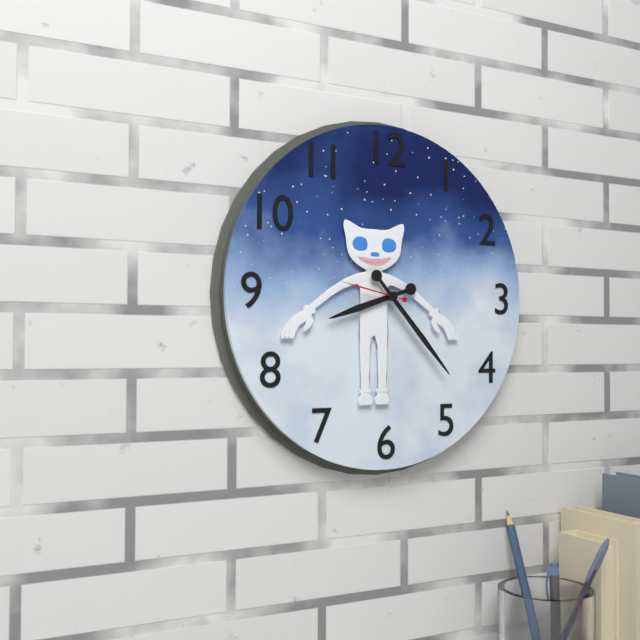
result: h=8 m=23 s=47
